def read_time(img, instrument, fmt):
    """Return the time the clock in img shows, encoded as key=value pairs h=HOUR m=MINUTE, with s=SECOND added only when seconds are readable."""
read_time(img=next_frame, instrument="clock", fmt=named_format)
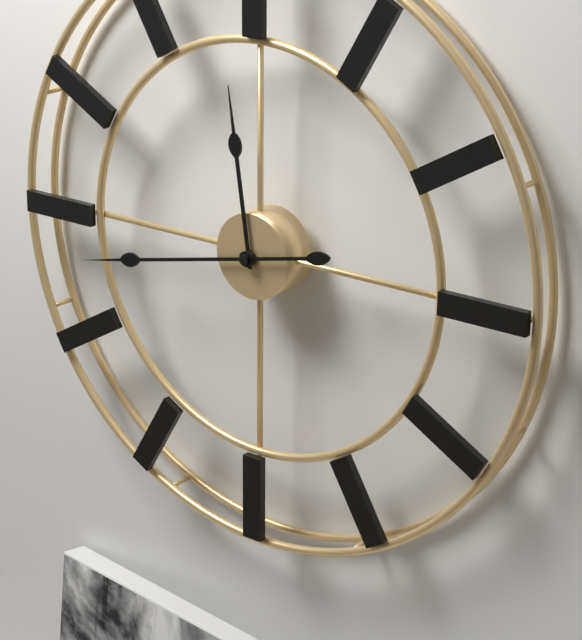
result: h=11 m=43
